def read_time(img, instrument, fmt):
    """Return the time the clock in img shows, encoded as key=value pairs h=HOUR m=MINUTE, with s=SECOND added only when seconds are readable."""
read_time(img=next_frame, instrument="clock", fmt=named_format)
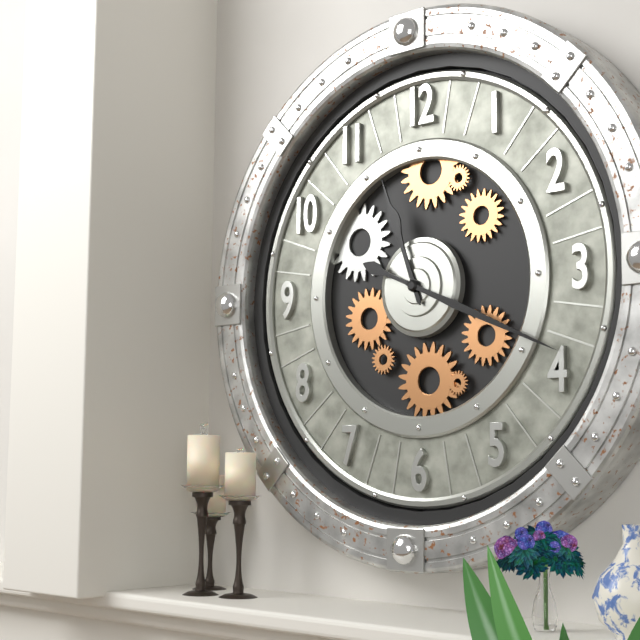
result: h=11 m=19
